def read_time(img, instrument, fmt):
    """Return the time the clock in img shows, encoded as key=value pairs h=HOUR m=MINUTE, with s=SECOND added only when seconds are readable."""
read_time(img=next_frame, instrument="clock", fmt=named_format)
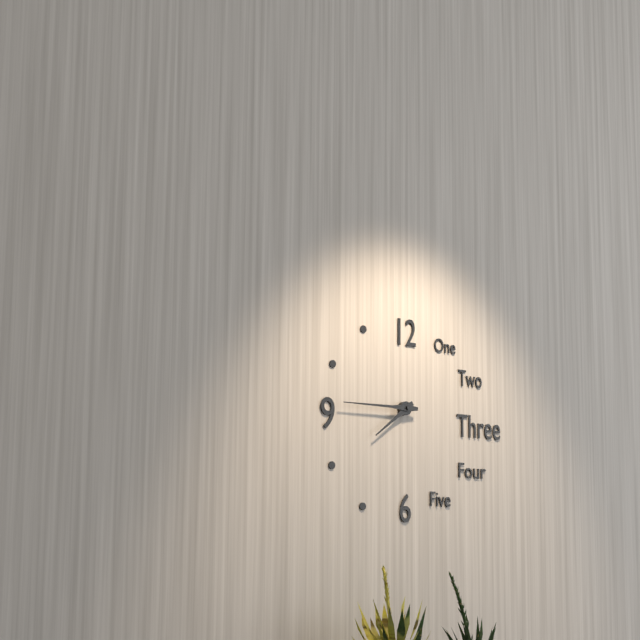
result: h=7 m=45
